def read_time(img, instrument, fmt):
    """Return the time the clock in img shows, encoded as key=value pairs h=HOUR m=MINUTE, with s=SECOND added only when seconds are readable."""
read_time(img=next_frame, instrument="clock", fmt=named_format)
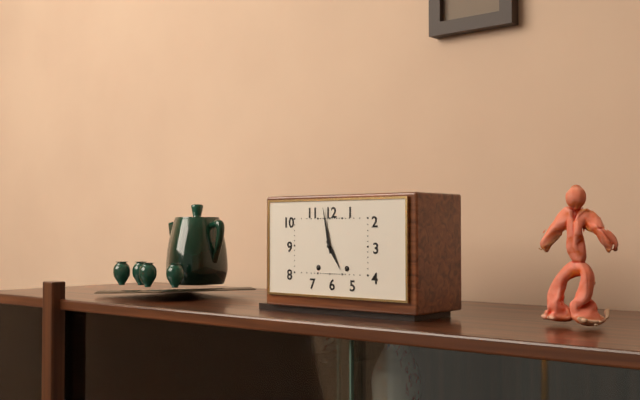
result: h=4 m=58
